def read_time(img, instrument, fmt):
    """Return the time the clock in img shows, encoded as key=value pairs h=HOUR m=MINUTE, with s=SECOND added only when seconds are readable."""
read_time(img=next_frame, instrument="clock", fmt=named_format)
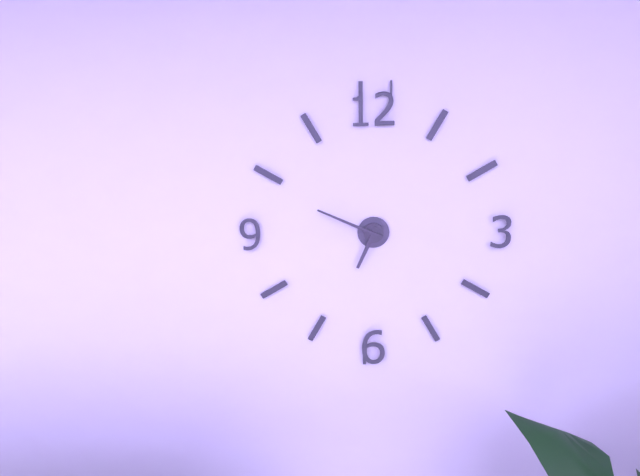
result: h=6 m=49
